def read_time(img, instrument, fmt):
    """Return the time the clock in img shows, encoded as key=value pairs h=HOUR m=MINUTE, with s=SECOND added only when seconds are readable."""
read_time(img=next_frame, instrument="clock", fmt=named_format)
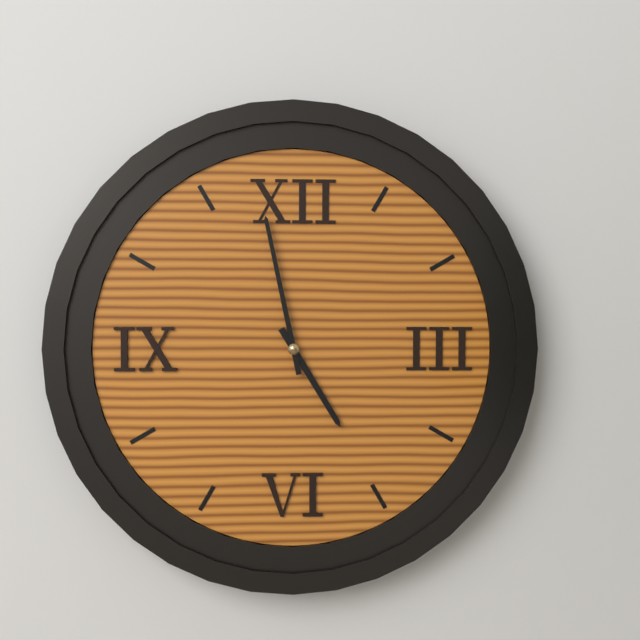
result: h=4 m=58
